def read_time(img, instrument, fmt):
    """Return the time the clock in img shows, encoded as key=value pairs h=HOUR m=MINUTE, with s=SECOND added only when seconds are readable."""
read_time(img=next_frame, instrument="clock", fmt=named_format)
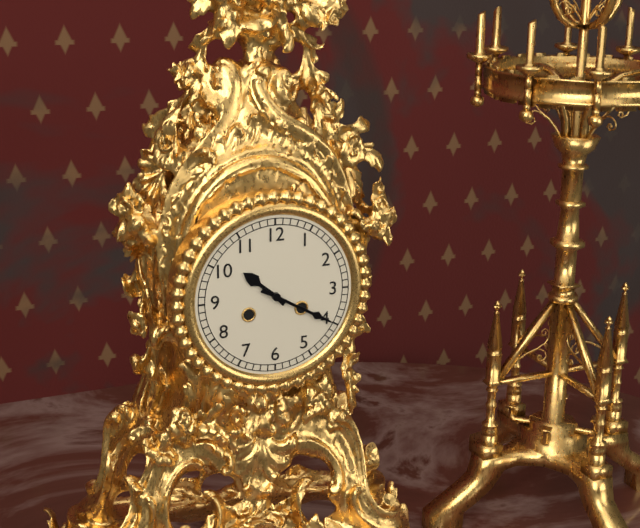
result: h=10 m=20
